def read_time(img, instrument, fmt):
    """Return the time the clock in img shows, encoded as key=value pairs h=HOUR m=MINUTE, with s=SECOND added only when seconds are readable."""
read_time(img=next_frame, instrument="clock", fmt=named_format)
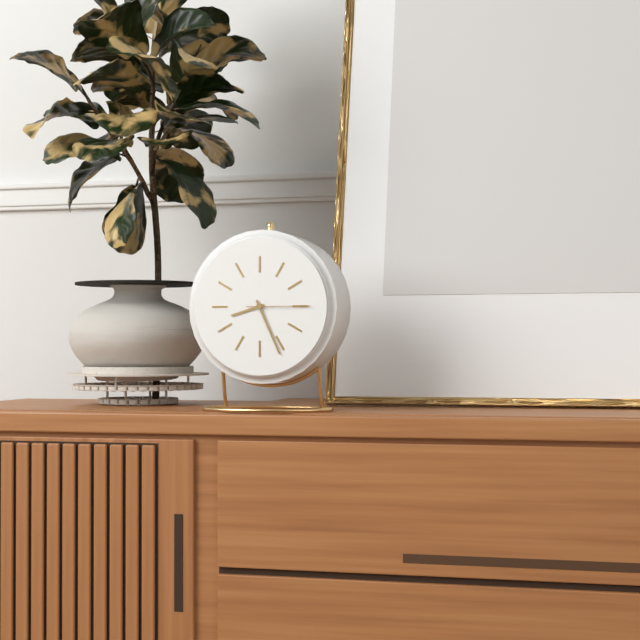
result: h=8 m=26 s=15
